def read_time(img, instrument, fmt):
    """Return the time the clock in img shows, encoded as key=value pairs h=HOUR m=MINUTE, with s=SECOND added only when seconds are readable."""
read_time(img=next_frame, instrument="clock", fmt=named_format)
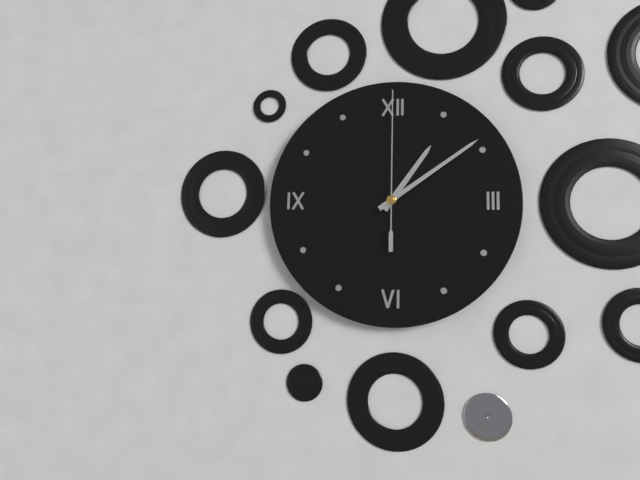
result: h=1 m=9 s=0
